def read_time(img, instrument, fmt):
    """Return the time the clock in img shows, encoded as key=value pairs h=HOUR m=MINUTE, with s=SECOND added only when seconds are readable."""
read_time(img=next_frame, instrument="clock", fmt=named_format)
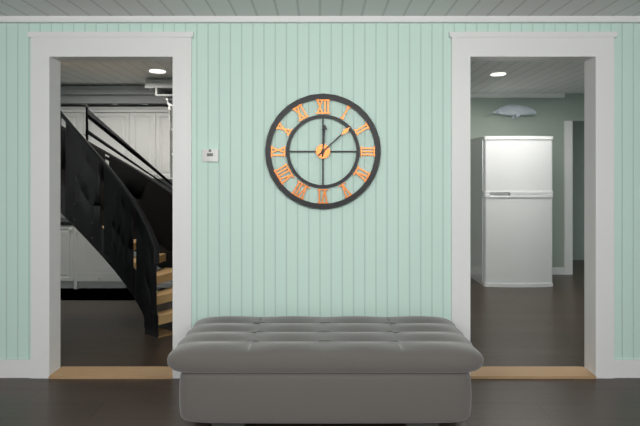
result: h=12 m=8
